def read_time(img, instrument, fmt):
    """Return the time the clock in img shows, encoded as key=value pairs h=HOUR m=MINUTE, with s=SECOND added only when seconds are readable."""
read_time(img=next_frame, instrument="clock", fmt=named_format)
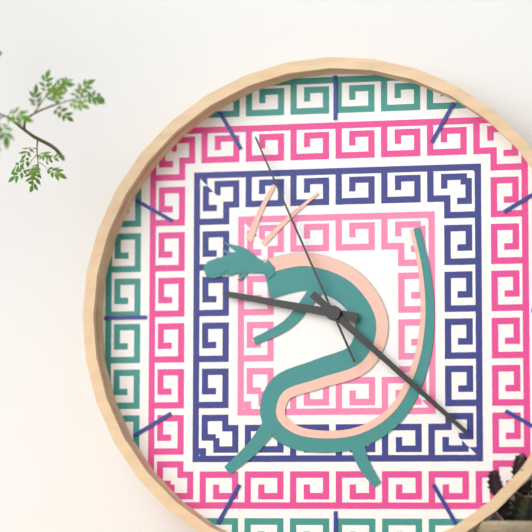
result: h=9 m=22 s=56
